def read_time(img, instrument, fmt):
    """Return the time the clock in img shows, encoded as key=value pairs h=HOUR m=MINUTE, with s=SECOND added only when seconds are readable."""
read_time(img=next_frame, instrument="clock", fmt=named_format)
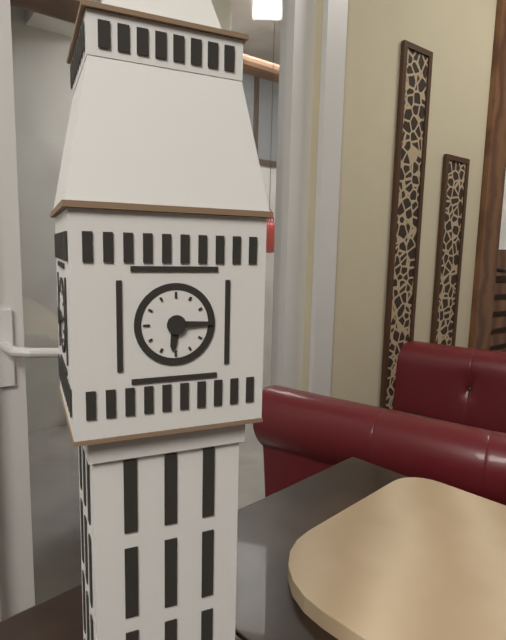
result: h=6 m=15
